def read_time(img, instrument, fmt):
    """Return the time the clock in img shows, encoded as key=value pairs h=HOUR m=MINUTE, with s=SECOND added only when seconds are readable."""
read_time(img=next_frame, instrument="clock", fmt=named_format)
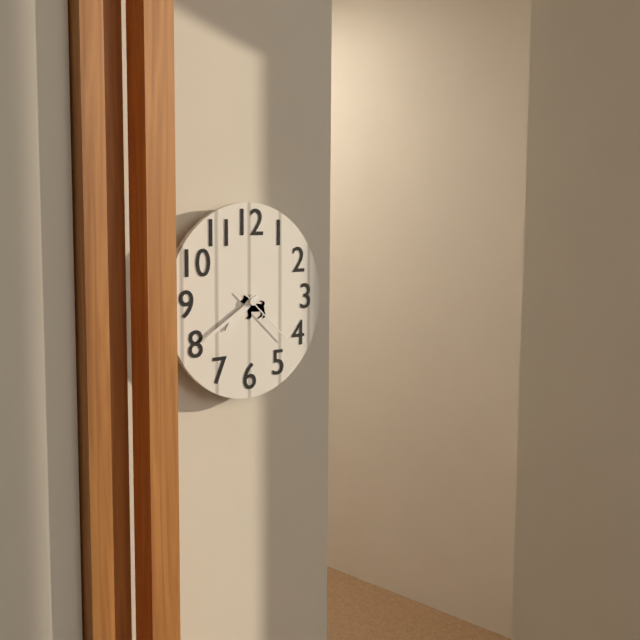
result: h=7 m=40 s=22
